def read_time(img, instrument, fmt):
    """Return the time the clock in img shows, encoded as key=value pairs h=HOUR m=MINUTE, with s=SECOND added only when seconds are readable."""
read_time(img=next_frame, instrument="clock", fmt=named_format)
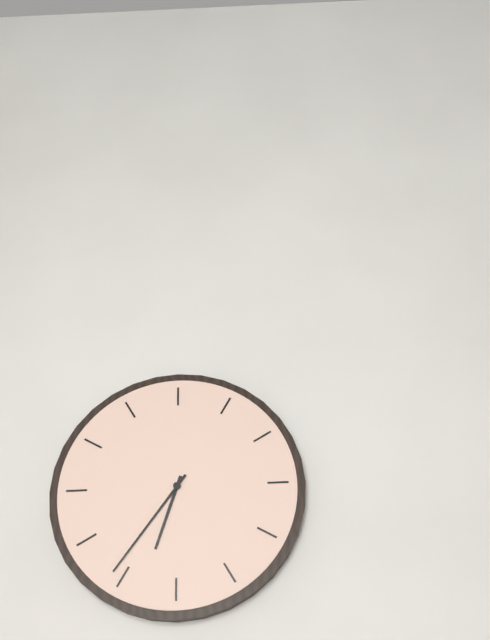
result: h=6 m=36
